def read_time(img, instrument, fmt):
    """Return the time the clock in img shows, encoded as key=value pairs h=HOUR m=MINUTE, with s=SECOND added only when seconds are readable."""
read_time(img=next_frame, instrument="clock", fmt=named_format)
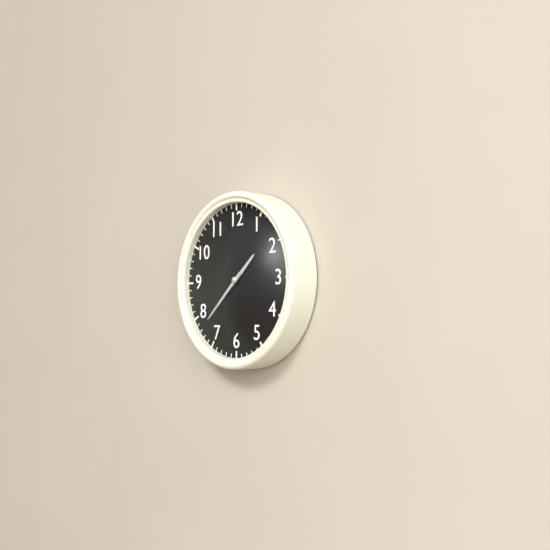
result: h=1 m=38
